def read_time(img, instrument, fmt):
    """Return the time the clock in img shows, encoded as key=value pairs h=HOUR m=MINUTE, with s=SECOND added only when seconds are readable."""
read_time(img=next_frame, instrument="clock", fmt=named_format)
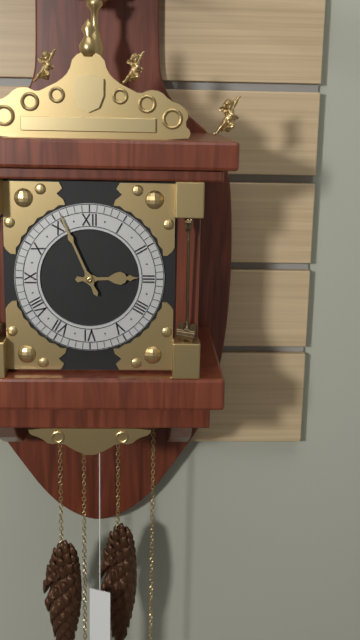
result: h=2 m=56
